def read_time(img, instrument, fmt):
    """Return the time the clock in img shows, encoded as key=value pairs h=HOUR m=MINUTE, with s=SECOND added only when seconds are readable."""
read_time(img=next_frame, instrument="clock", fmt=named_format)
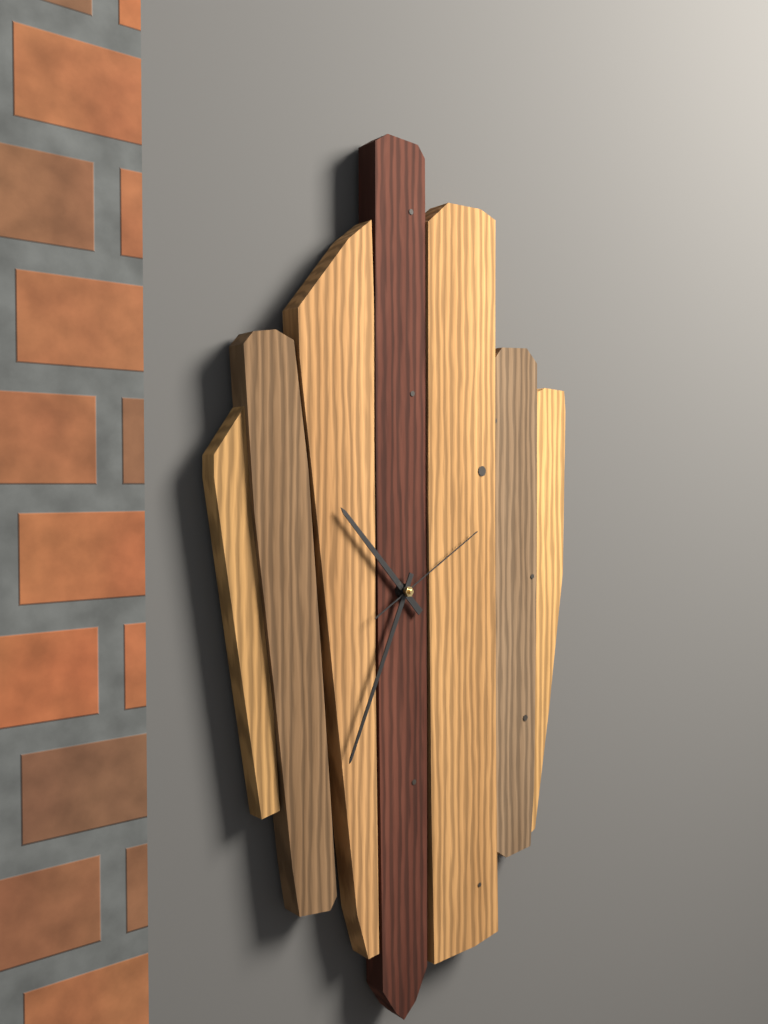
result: h=10 m=34 s=10
